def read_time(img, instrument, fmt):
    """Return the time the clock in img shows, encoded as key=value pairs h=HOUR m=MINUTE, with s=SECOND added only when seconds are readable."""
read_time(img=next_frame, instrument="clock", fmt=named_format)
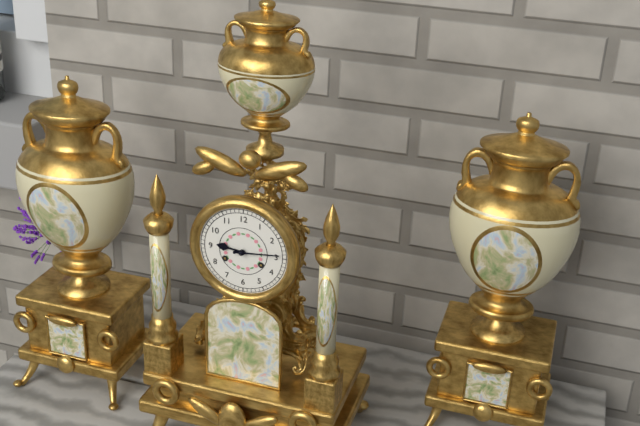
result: h=9 m=14
